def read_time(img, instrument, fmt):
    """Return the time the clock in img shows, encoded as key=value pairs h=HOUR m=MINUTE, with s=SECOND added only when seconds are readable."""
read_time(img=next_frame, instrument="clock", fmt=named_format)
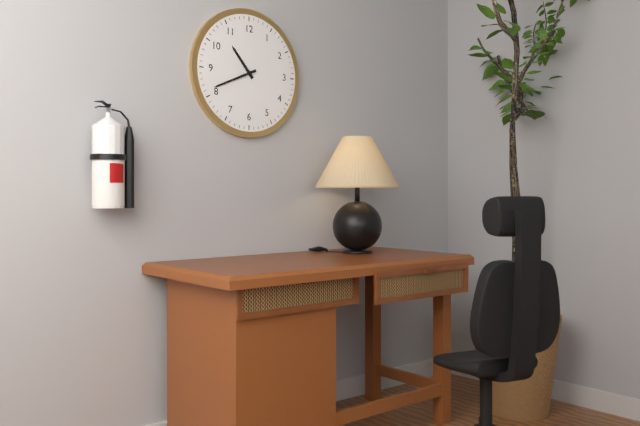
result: h=10 m=41
